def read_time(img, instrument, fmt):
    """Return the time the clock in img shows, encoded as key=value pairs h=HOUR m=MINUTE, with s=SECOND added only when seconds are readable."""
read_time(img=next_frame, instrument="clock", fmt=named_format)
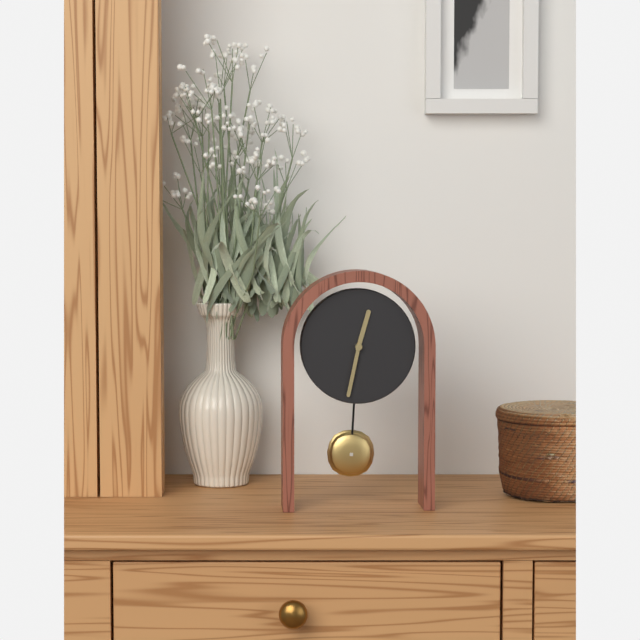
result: h=12 m=32
